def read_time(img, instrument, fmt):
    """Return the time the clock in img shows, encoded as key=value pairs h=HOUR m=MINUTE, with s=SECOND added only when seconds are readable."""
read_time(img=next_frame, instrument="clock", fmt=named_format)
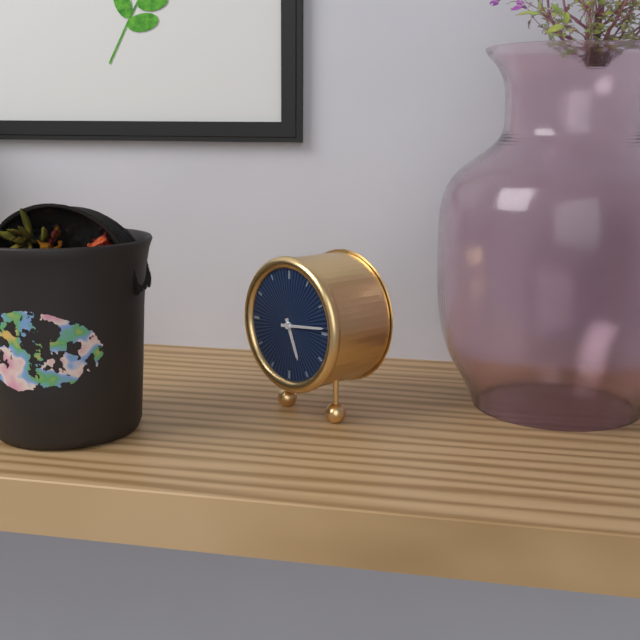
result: h=5 m=14
